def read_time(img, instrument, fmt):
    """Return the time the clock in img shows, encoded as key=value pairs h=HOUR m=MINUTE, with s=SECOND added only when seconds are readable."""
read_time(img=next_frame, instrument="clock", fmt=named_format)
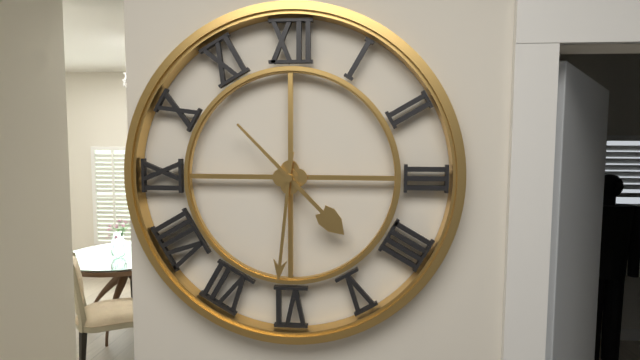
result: h=4 m=31
